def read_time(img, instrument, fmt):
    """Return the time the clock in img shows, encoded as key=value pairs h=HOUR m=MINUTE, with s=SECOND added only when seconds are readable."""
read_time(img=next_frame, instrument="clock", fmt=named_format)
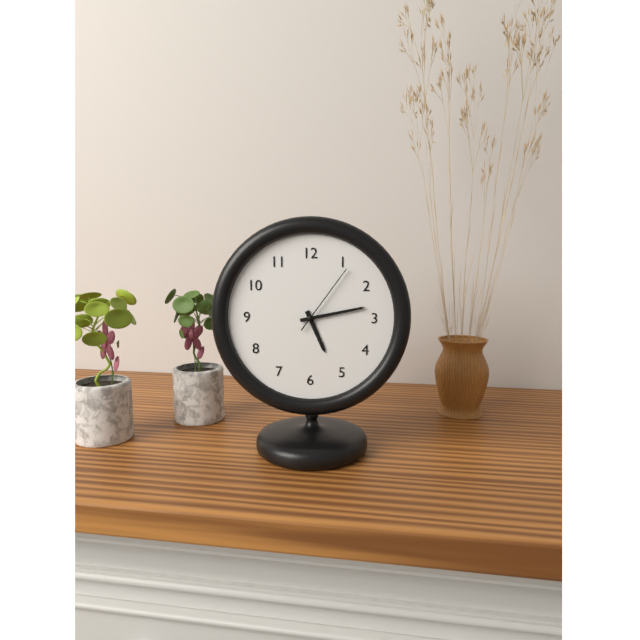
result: h=5 m=13 s=6
